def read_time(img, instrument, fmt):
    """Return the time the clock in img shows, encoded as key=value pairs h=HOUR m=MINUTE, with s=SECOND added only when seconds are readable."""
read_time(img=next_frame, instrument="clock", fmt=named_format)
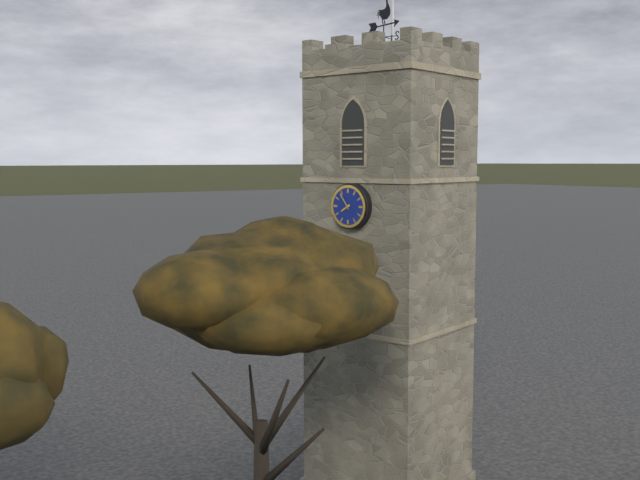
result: h=7 m=54
